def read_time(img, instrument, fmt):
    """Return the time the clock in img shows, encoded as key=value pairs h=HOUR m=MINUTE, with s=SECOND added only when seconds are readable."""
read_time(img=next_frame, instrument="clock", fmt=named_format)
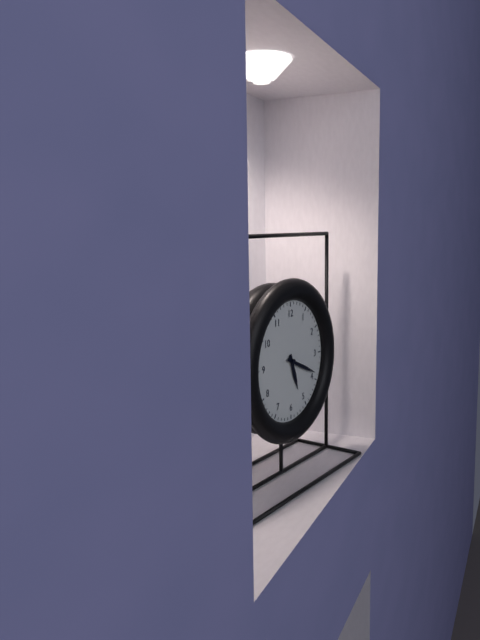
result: h=5 m=19
